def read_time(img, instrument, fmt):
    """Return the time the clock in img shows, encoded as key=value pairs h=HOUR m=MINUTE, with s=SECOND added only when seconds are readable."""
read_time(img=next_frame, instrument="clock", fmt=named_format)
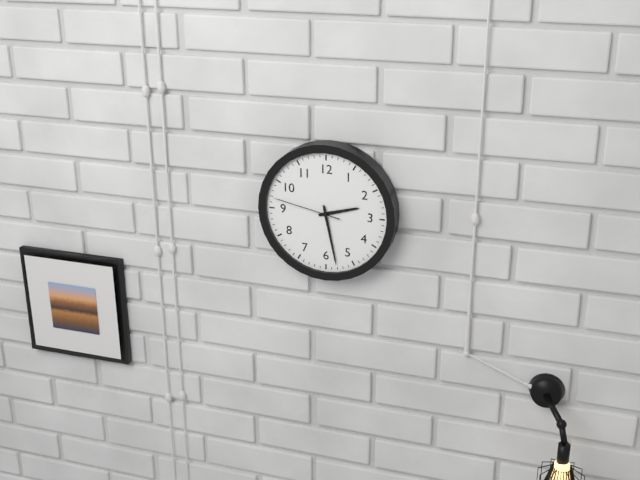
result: h=2 m=28 s=47
